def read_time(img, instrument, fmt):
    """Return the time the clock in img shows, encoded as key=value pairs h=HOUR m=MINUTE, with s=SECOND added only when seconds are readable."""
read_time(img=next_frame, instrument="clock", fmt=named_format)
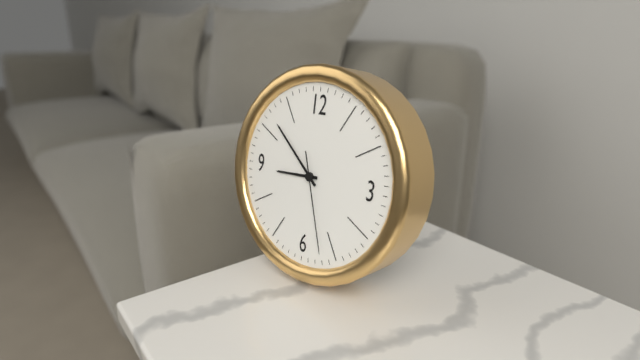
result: h=8 m=52 s=27
